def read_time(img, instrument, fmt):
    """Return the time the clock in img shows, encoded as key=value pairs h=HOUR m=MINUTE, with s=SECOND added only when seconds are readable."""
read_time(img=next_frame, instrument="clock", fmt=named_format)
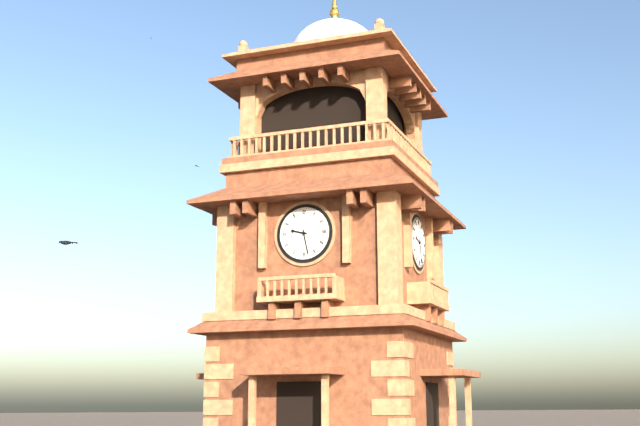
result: h=9 m=28
